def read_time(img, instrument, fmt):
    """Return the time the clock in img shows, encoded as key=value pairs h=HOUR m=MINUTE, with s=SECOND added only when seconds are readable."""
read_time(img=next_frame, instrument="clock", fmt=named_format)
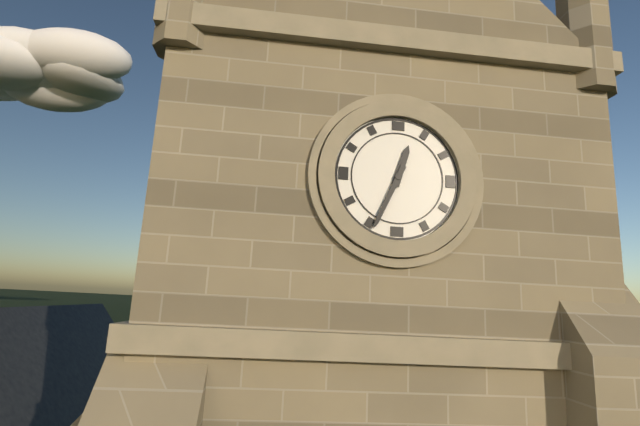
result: h=12 m=34
